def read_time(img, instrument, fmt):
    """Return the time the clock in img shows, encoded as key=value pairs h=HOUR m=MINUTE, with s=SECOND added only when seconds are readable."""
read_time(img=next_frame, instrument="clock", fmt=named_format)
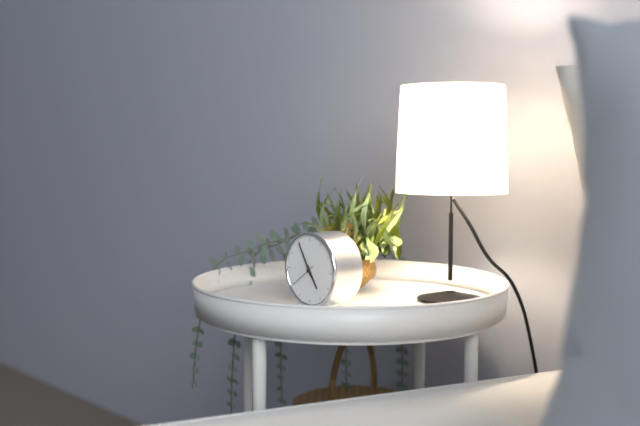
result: h=4 m=55
